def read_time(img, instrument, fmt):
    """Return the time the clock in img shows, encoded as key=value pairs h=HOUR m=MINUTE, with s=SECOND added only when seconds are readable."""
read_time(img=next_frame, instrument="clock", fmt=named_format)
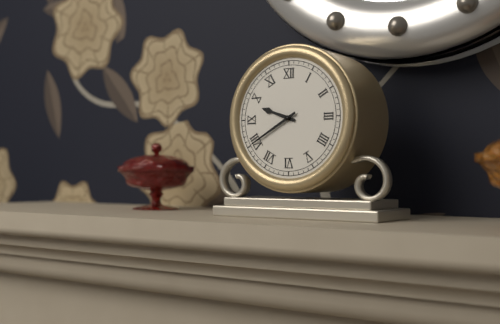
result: h=9 m=40
